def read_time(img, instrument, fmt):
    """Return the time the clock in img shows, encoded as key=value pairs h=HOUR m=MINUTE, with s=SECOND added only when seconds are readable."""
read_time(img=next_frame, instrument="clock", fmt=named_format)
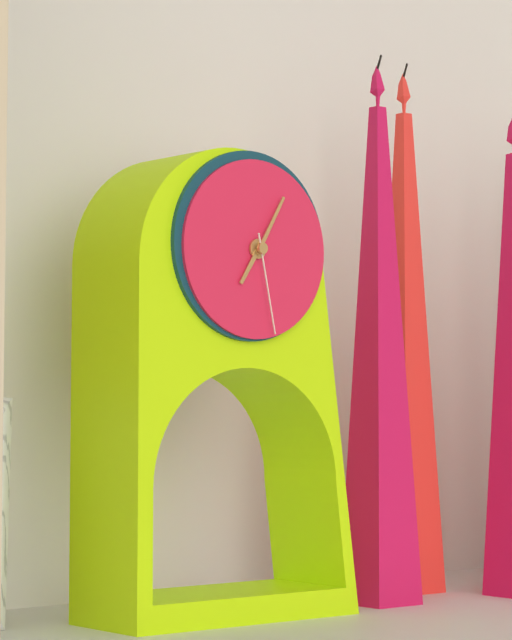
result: h=7 m=5 s=28
